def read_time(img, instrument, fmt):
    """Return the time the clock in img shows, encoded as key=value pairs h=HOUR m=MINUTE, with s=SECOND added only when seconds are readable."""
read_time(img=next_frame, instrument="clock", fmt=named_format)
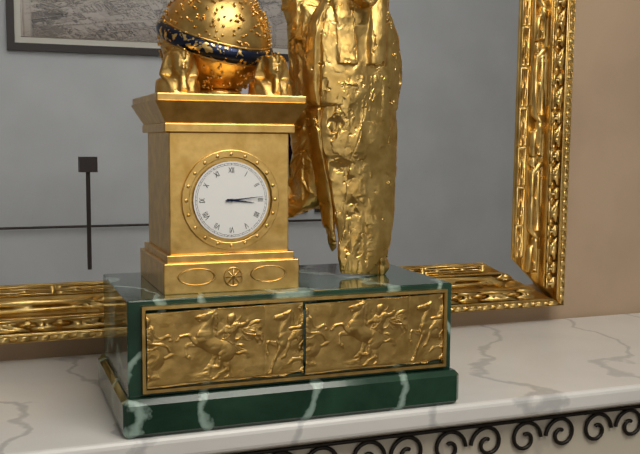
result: h=3 m=14
